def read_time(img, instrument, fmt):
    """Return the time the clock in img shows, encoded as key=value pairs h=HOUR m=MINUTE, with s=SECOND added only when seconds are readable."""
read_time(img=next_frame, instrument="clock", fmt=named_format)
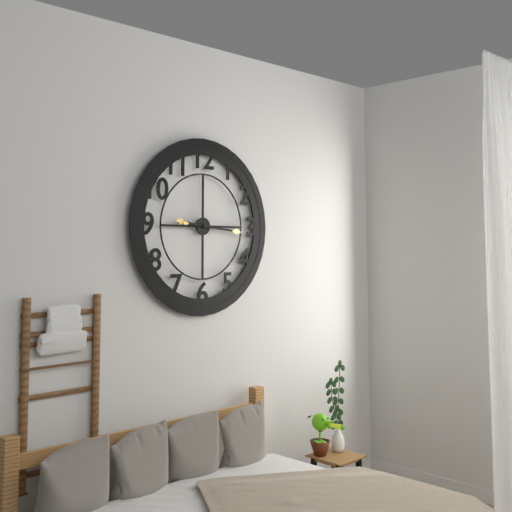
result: h=9 m=16
